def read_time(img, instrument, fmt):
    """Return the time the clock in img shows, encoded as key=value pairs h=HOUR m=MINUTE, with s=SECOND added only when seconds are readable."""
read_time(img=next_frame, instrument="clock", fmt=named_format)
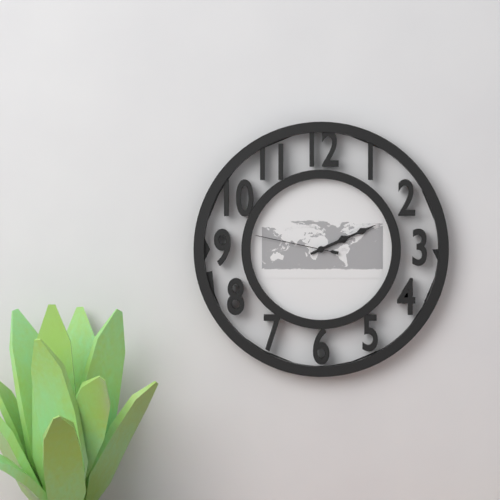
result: h=2 m=11 s=47
